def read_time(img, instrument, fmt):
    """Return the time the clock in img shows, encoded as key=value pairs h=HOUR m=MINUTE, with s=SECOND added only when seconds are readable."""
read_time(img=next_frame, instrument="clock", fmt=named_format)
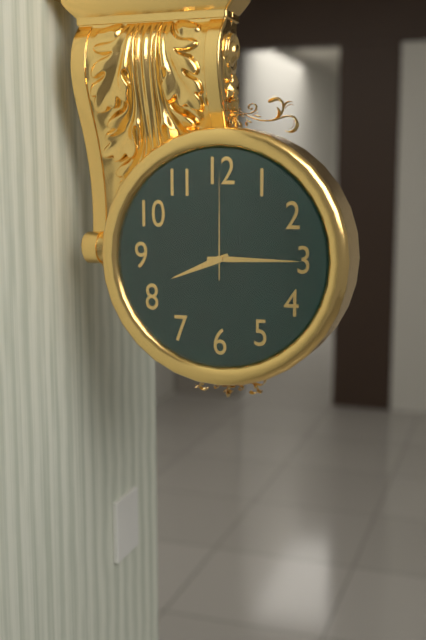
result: h=8 m=15 s=0
